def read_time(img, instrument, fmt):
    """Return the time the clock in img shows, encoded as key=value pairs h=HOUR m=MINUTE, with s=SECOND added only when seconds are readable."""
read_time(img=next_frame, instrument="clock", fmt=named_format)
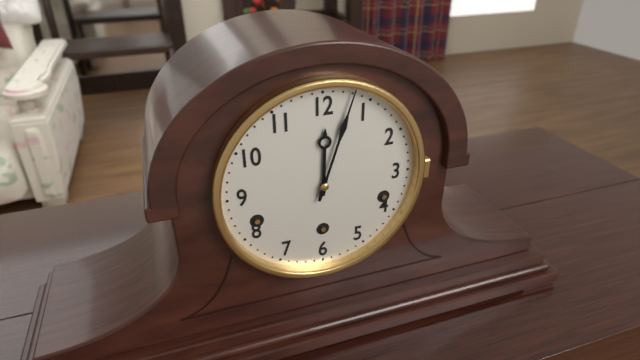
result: h=12 m=3
